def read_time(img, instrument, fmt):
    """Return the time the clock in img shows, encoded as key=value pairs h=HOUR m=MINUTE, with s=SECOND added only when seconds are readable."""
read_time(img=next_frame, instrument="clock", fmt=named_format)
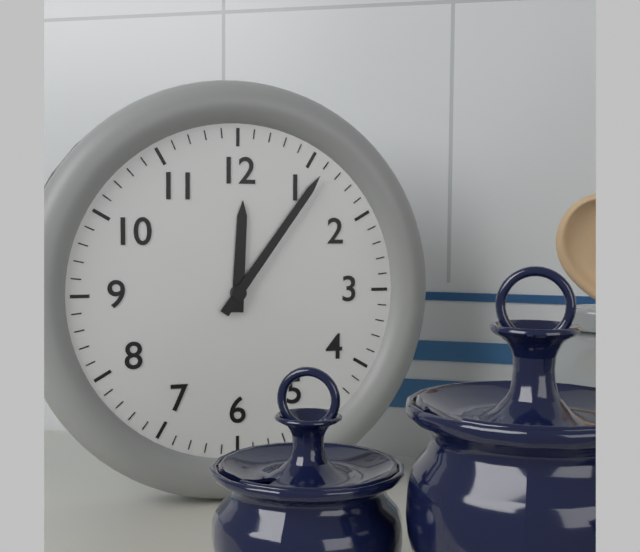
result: h=12 m=6
